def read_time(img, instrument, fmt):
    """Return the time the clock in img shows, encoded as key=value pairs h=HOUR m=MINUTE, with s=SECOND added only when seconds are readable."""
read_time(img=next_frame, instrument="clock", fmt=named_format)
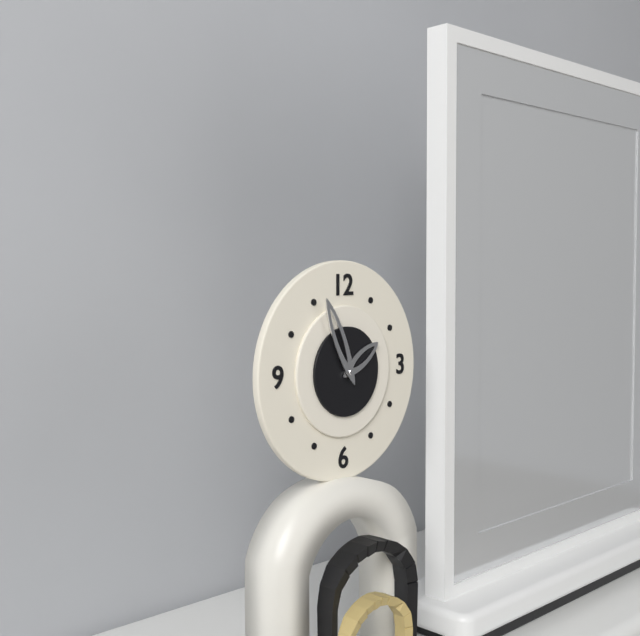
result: h=1 m=56
